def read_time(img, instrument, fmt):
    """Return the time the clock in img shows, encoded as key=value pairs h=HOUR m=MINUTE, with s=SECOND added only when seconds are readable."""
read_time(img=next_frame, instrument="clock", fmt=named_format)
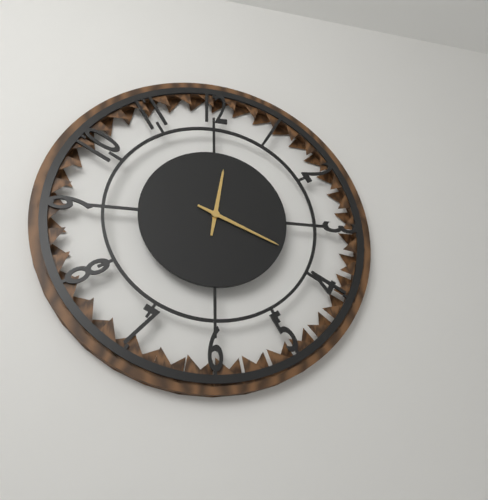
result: h=12 m=19
